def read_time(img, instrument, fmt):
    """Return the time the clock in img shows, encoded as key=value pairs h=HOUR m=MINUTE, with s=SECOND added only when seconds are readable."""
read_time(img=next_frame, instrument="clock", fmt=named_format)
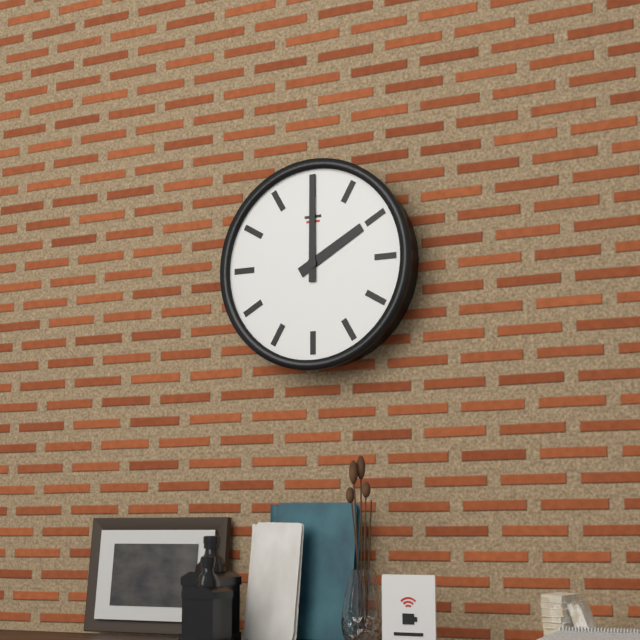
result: h=2 m=0
